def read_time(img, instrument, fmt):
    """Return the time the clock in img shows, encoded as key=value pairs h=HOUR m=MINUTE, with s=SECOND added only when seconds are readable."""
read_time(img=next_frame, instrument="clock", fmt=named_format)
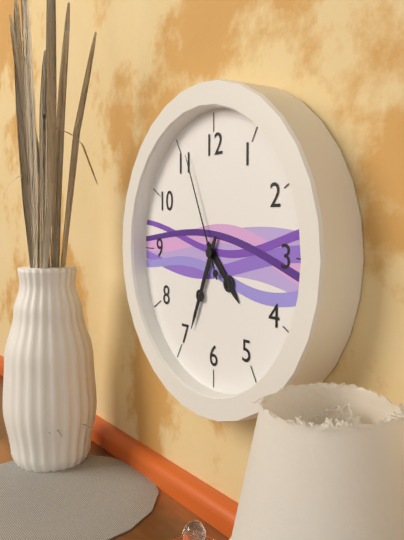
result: h=4 m=34 s=56
